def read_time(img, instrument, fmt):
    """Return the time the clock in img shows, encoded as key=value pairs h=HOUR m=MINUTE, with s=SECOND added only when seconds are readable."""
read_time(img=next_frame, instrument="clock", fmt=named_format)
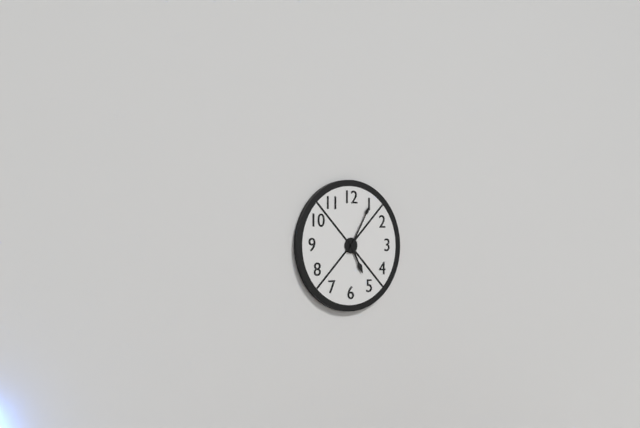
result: h=5 m=5
